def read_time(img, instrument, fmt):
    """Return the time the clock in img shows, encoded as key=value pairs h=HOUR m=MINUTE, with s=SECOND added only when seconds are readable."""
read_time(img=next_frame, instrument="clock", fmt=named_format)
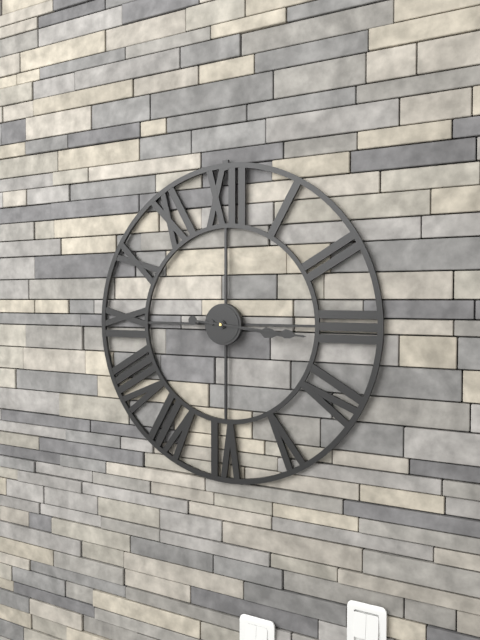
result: h=3 m=16
